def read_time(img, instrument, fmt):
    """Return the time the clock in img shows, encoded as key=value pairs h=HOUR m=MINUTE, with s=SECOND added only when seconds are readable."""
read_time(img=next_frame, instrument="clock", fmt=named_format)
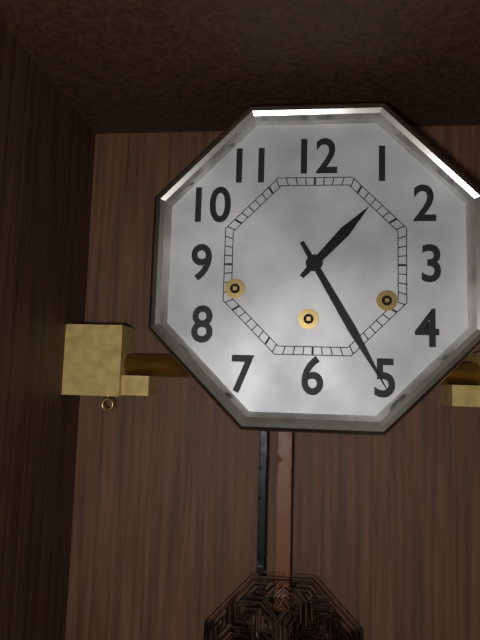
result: h=1 m=25
